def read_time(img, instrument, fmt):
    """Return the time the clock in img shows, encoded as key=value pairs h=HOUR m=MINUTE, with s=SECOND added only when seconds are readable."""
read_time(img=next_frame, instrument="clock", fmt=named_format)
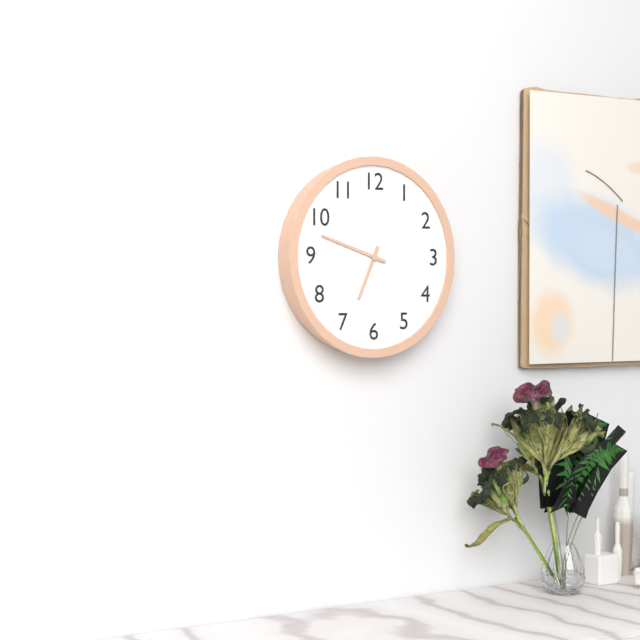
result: h=6 m=48
